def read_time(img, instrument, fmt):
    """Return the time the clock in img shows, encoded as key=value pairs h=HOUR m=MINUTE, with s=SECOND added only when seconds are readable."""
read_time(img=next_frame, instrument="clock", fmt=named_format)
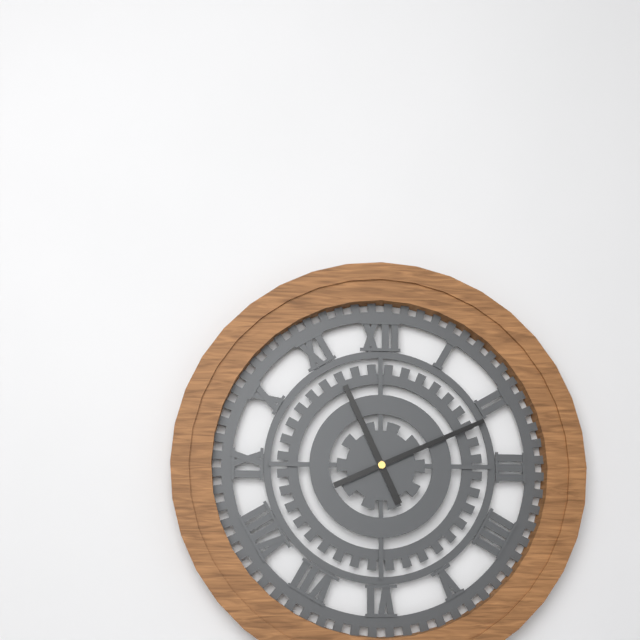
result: h=11 m=11
